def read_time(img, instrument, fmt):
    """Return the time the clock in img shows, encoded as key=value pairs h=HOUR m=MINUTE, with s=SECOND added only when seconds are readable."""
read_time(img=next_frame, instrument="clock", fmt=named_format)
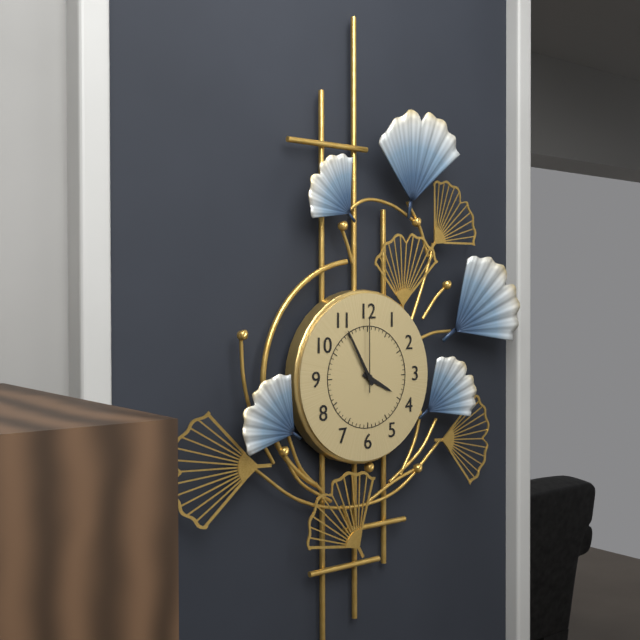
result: h=3 m=55 s=0
